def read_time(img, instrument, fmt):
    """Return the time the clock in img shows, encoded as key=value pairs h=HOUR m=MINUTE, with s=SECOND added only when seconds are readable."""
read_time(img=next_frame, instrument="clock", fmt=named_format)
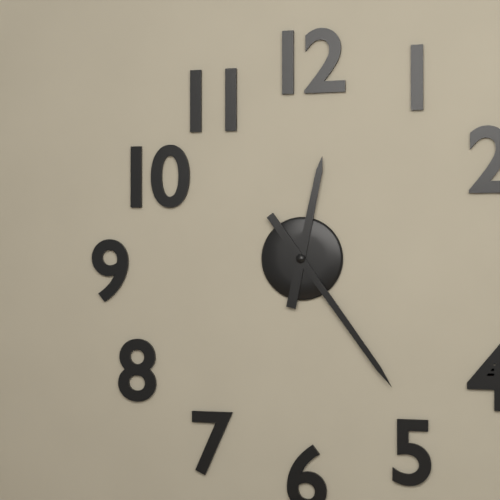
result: h=12 m=24
